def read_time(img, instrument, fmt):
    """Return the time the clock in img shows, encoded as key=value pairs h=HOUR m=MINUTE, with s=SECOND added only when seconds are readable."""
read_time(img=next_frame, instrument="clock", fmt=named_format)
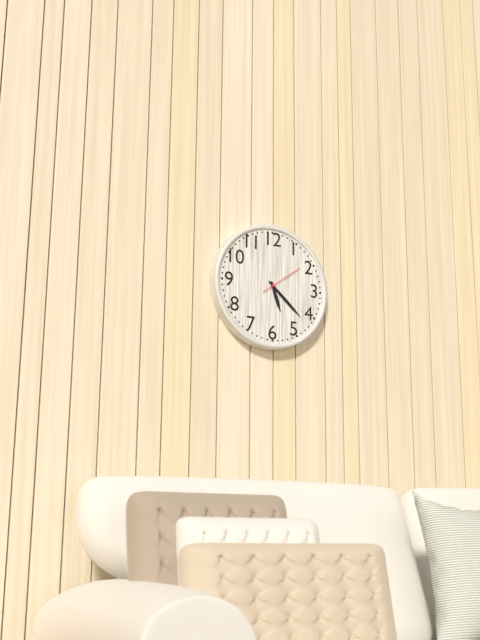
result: h=5 m=22
